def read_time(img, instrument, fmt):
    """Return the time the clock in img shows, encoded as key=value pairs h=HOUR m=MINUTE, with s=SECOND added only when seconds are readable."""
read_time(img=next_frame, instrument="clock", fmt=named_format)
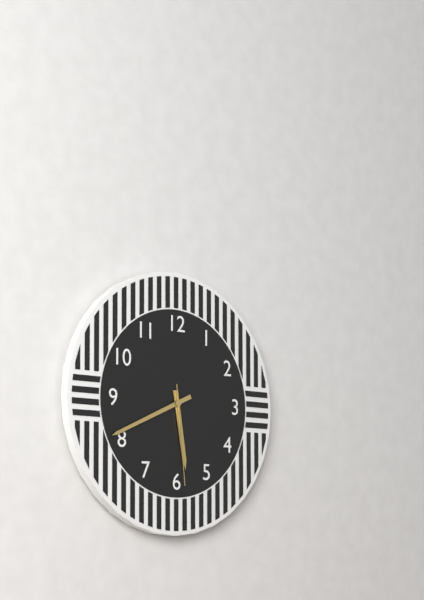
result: h=5 m=41 s=29
